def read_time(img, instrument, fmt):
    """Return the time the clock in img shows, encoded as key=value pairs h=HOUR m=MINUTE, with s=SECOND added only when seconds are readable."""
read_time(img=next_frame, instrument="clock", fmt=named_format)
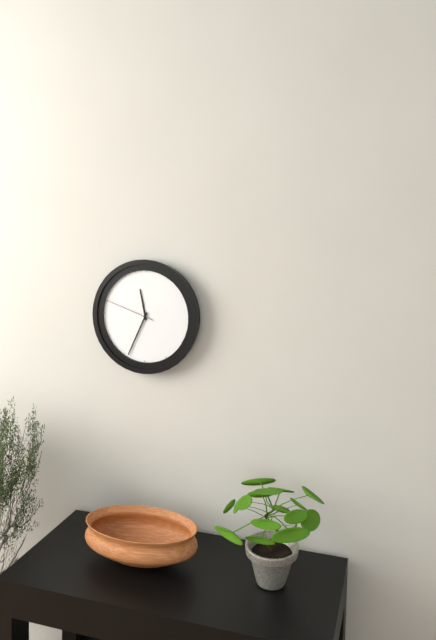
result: h=11 m=34 s=48
